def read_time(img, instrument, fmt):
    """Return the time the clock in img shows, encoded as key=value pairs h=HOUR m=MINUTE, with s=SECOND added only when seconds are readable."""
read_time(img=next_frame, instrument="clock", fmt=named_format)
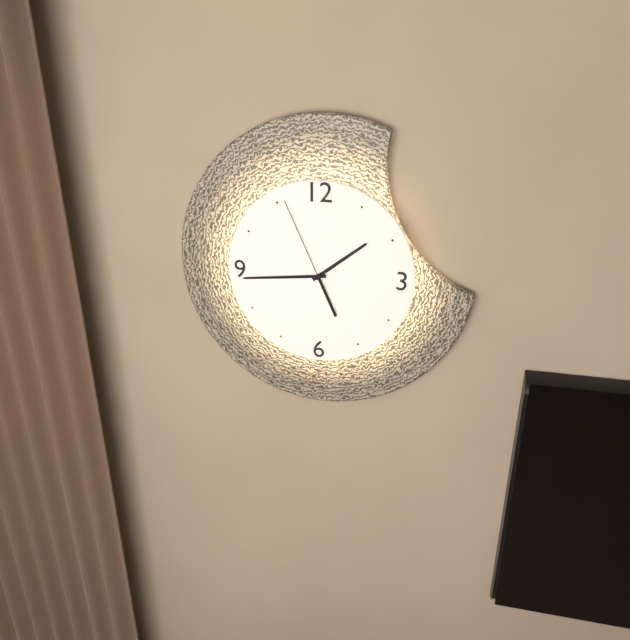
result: h=1 m=44 s=56
